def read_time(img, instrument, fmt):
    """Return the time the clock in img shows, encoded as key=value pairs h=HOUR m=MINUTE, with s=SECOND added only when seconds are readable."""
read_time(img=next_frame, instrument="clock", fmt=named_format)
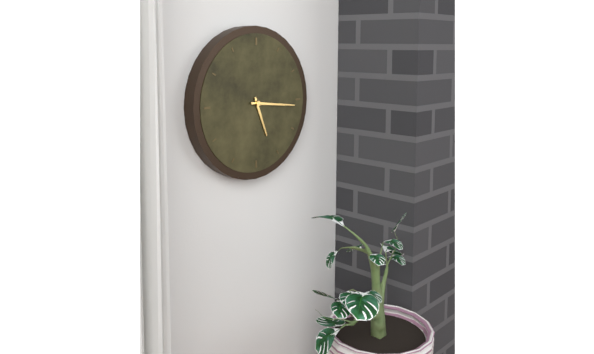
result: h=5 m=16
